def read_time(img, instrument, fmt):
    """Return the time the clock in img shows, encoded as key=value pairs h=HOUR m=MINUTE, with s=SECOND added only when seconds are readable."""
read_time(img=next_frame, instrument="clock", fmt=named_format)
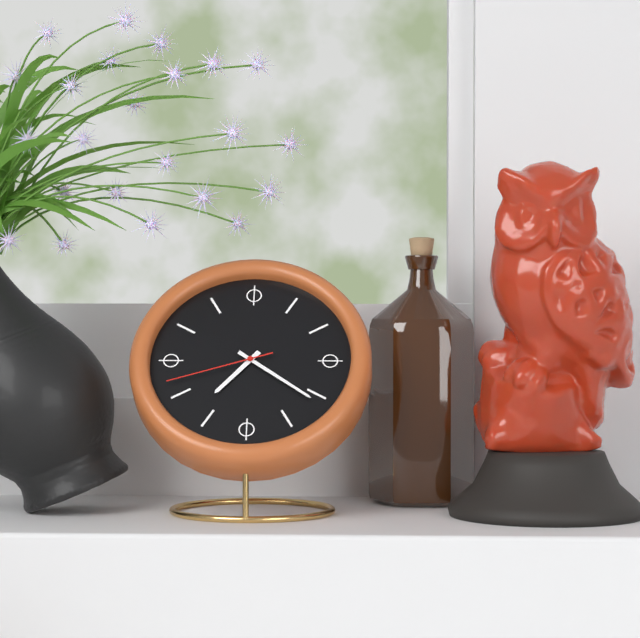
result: h=7 m=21 s=42
